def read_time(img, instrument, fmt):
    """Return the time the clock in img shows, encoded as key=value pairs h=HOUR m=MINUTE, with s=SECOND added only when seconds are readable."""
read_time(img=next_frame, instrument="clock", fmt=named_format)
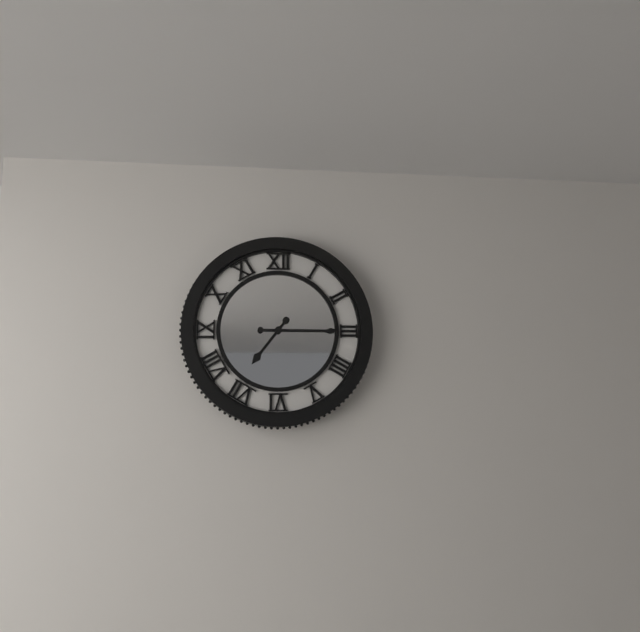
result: h=7 m=15
